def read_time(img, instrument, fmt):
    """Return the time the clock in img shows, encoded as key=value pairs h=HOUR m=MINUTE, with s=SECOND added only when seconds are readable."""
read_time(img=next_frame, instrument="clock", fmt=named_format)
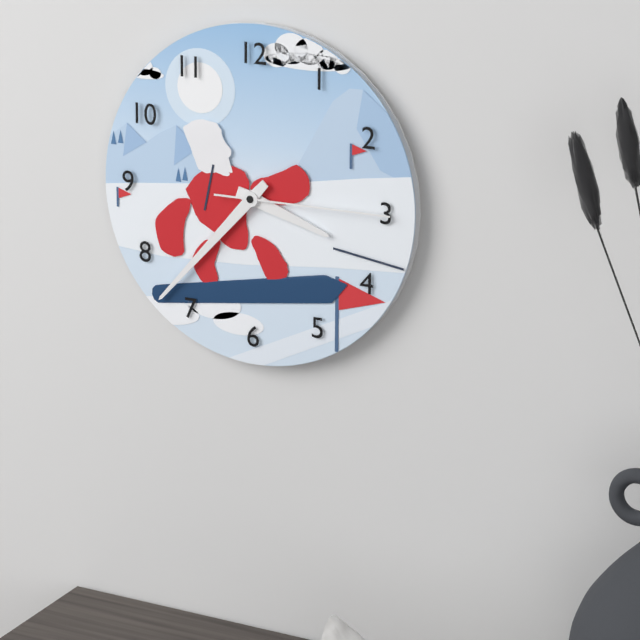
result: h=3 m=37 s=15
